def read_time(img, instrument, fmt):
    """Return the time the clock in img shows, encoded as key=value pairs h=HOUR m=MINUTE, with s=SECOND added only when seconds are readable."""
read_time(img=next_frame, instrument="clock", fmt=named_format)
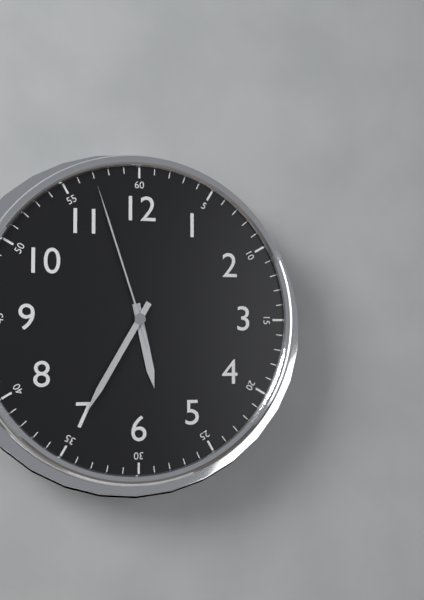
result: h=5 m=35 s=57
